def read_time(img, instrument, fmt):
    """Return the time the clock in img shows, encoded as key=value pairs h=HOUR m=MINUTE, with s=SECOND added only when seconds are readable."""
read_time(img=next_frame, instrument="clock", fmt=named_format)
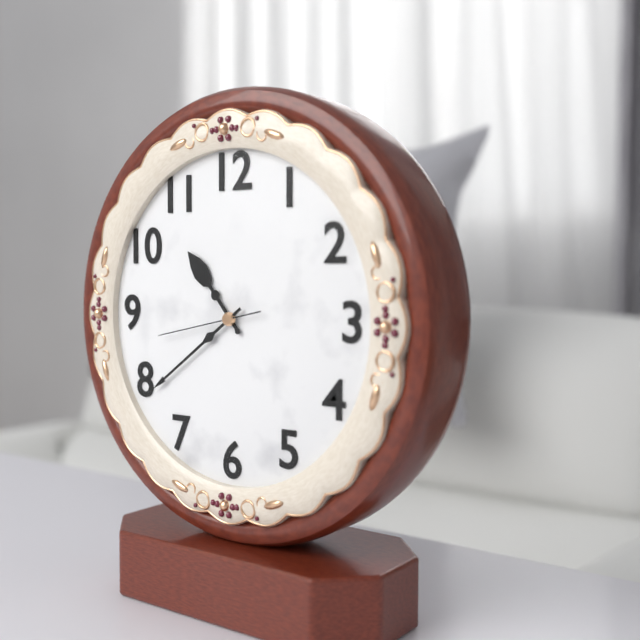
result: h=10 m=39 s=43
